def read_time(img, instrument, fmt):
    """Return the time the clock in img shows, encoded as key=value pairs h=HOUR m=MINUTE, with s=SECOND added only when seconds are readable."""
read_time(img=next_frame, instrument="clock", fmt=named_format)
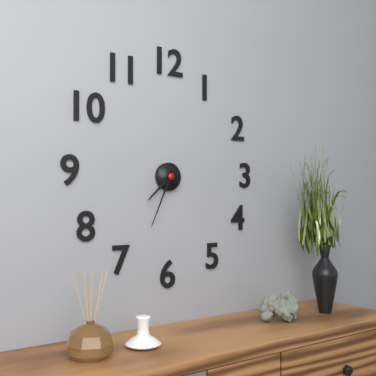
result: h=7 m=34
